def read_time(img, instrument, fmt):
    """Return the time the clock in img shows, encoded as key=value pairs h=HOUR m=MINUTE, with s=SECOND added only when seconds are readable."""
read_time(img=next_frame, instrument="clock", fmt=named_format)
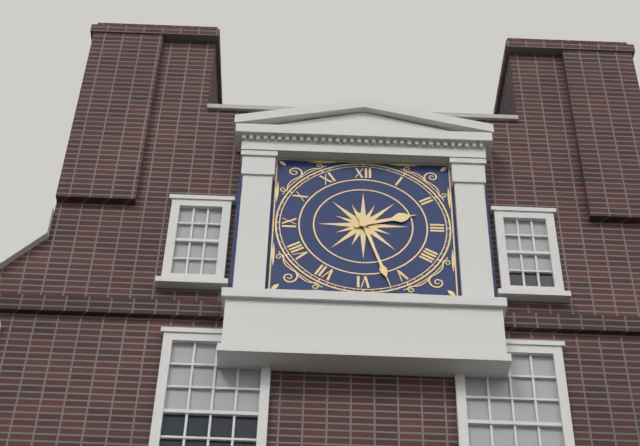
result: h=2 m=27
